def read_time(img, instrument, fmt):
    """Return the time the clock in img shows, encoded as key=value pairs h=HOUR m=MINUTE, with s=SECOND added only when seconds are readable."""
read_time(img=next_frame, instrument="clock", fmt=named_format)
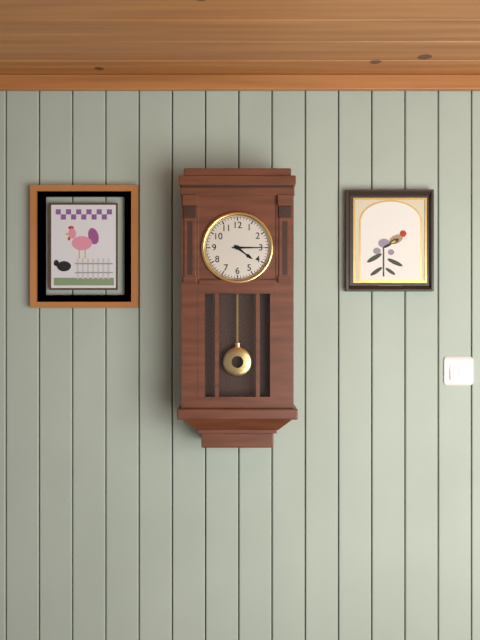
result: h=4 m=15
